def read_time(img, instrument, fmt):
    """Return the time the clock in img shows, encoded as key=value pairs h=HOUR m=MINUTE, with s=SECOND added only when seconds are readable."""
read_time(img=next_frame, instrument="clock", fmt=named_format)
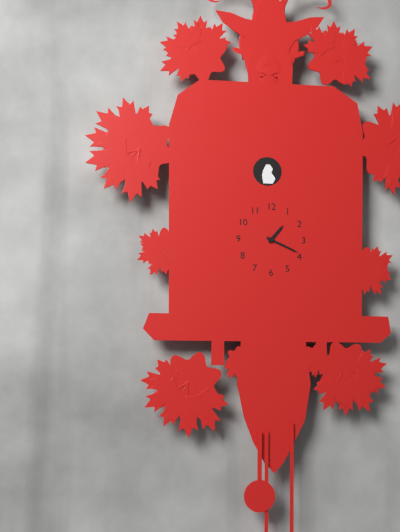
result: h=1 m=19
